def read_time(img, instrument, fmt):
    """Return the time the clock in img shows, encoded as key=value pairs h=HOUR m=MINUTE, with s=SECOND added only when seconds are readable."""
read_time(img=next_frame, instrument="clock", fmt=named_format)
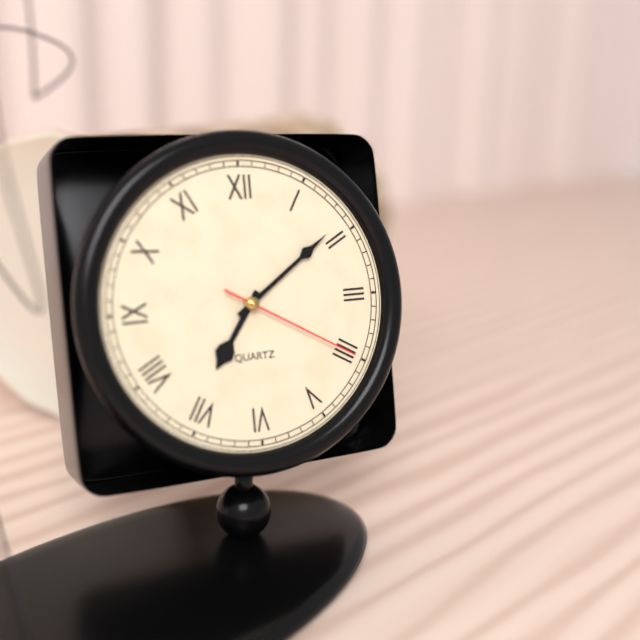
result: h=7 m=9 s=20
